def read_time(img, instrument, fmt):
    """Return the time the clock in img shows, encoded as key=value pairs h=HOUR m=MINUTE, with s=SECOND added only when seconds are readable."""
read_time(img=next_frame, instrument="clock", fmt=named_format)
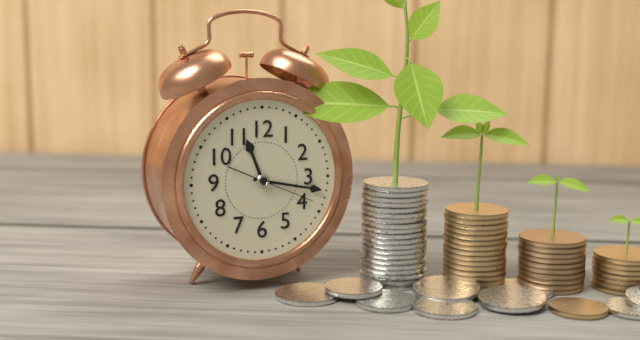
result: h=11 m=17 s=19
